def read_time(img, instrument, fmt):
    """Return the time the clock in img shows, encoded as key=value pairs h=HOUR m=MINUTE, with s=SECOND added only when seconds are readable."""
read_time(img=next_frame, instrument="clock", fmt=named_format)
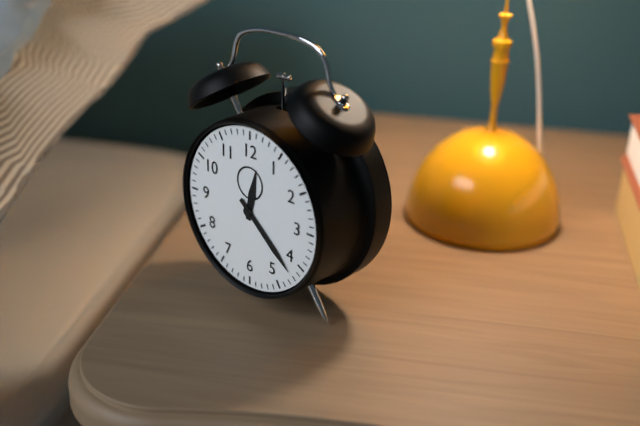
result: h=12 m=22
